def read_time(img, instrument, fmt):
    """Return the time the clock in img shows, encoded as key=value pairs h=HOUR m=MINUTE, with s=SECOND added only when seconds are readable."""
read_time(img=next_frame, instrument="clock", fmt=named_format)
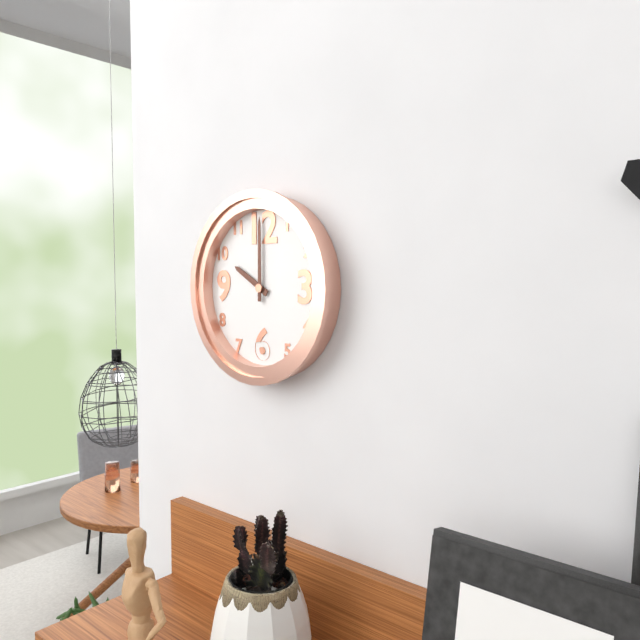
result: h=10 m=0
